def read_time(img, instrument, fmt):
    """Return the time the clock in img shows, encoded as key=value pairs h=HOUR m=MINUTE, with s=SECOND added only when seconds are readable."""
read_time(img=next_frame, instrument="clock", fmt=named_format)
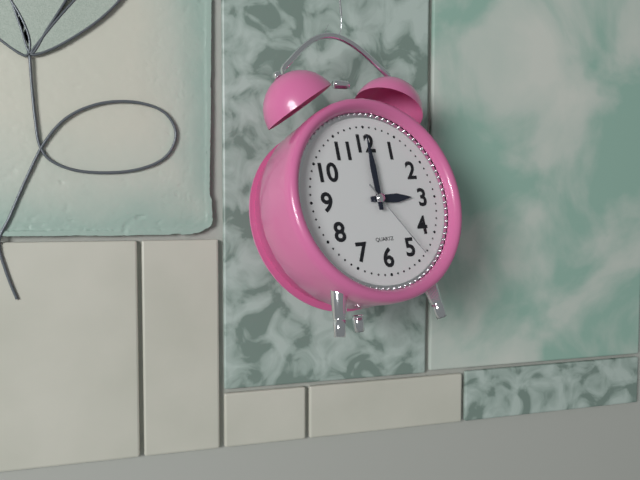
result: h=3 m=0 s=24
